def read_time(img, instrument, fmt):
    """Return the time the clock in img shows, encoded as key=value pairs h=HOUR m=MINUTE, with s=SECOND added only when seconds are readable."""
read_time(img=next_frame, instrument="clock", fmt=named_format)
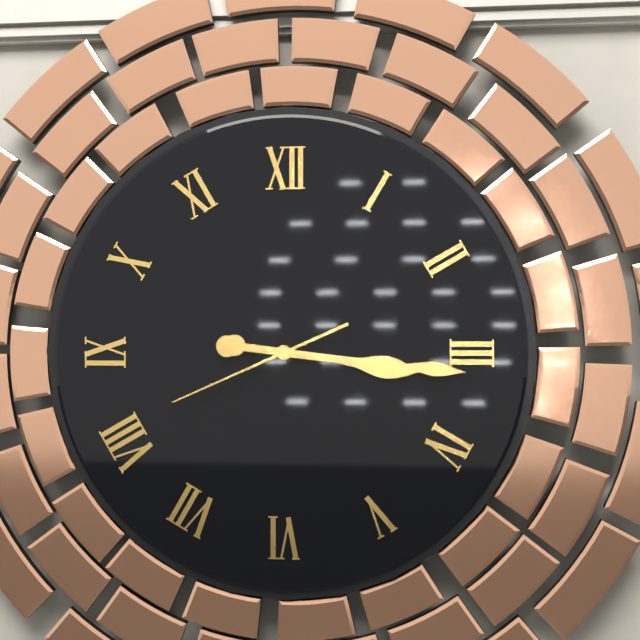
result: h=3 m=16 s=41
